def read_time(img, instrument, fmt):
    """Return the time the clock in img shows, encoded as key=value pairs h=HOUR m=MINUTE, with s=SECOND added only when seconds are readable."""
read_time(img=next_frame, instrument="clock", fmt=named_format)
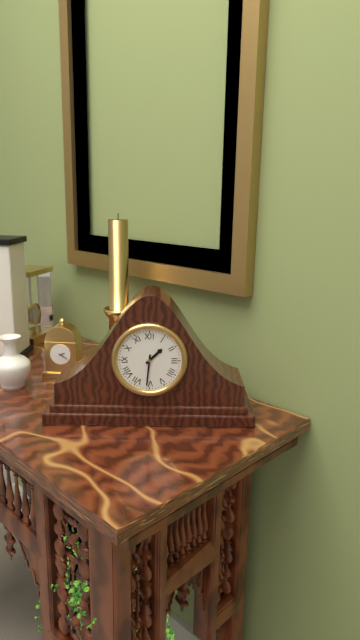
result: h=1 m=31
